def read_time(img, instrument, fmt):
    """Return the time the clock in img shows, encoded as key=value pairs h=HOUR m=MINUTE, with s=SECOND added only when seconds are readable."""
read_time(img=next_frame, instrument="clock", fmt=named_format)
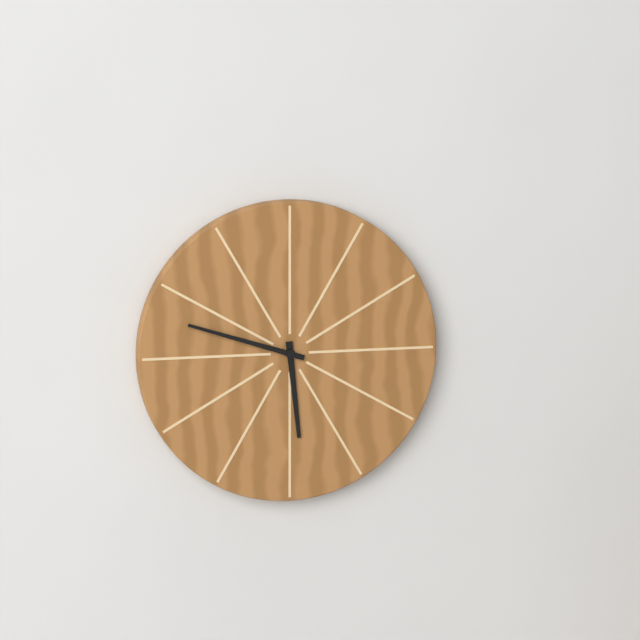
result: h=5 m=48
